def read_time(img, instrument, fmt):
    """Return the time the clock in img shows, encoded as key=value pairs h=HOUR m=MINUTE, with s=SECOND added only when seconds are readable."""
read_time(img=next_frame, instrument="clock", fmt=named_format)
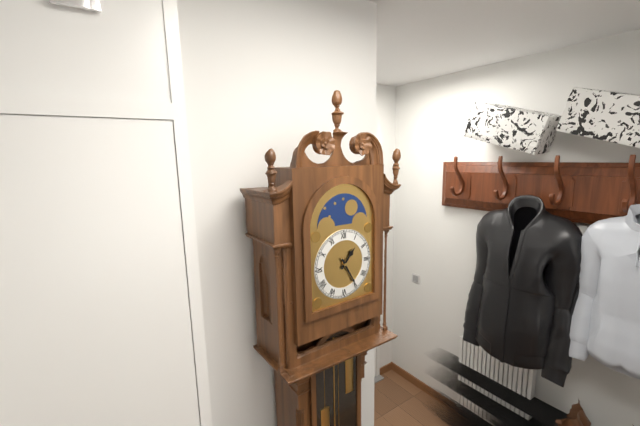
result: h=1 m=25
